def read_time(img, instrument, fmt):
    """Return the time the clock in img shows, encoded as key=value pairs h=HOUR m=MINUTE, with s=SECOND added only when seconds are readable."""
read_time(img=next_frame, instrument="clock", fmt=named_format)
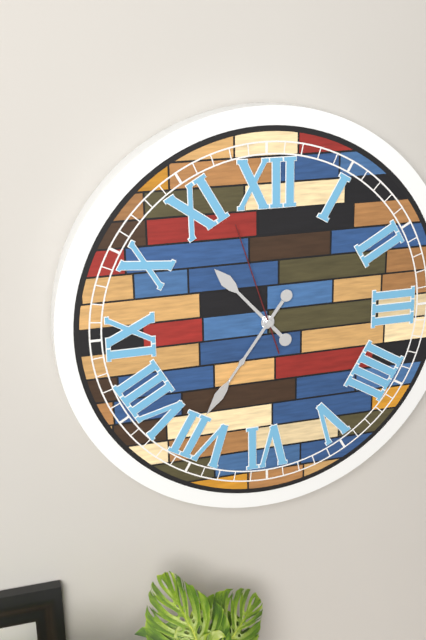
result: h=10 m=36 s=57
